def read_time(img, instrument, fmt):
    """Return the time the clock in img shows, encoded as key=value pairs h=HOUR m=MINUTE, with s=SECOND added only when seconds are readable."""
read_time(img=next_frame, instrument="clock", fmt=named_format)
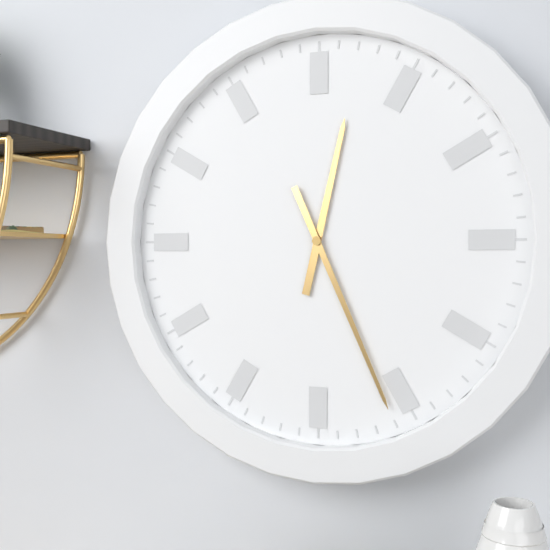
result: h=12 m=26
